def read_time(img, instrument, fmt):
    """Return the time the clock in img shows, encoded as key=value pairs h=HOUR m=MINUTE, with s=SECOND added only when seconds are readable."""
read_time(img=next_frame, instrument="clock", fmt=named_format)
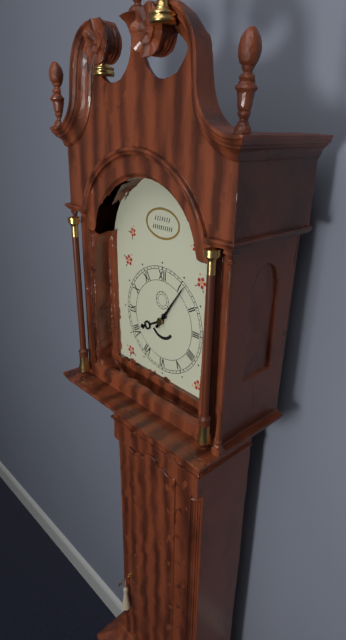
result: h=8 m=6
